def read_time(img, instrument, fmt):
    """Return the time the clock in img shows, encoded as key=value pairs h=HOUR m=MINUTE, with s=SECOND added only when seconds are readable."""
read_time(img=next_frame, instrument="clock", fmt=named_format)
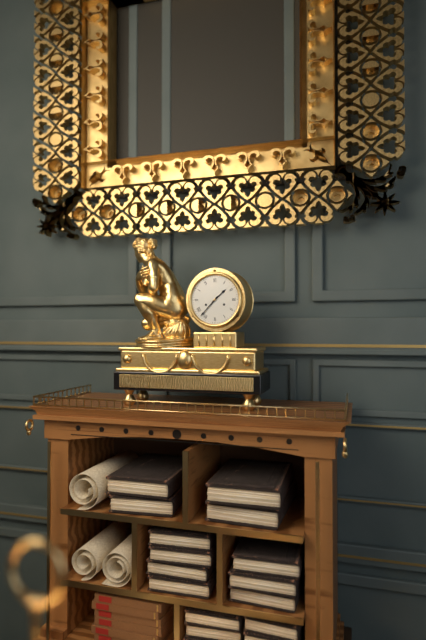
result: h=1 m=37
